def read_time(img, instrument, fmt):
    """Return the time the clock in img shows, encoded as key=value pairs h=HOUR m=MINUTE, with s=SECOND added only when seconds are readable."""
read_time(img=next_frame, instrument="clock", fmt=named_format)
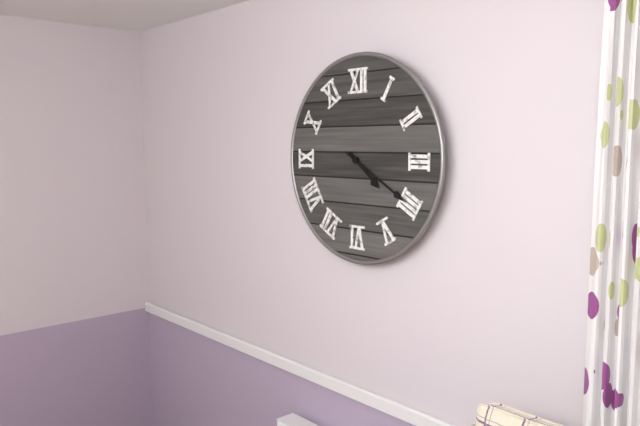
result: h=4 m=20
